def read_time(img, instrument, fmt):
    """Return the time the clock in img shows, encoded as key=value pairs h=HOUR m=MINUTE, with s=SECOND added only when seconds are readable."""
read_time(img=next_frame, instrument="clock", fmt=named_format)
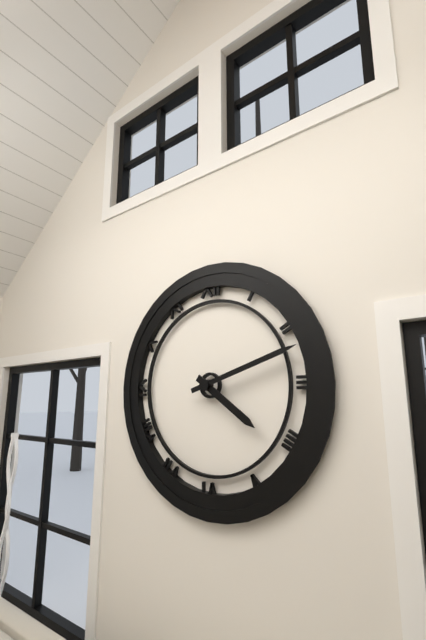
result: h=4 m=12
